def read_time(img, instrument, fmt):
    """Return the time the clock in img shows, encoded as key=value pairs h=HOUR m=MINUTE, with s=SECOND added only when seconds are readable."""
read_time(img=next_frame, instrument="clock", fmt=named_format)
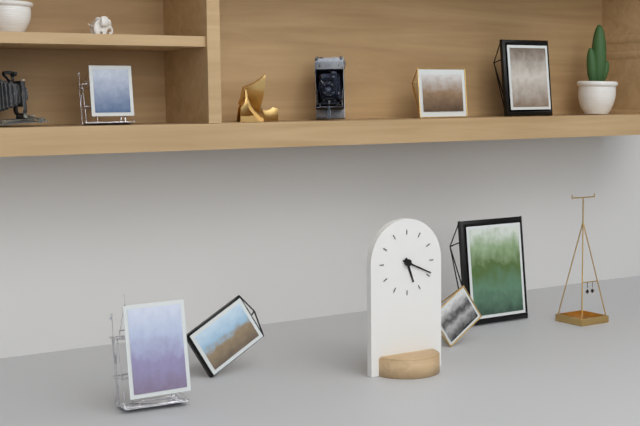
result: h=5 m=19
